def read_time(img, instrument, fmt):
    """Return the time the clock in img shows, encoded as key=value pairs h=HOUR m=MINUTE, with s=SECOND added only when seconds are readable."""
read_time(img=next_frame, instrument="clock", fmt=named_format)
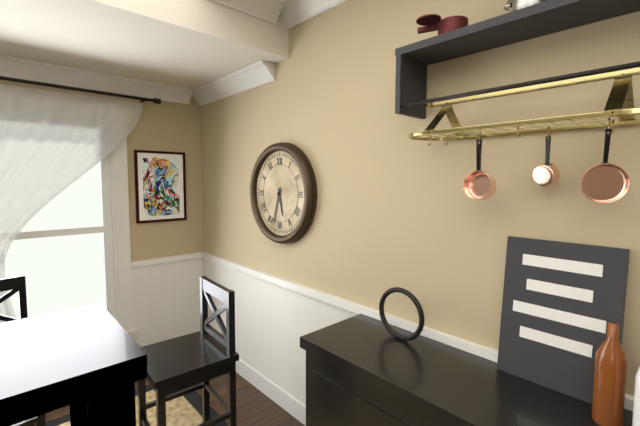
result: h=5 m=33
